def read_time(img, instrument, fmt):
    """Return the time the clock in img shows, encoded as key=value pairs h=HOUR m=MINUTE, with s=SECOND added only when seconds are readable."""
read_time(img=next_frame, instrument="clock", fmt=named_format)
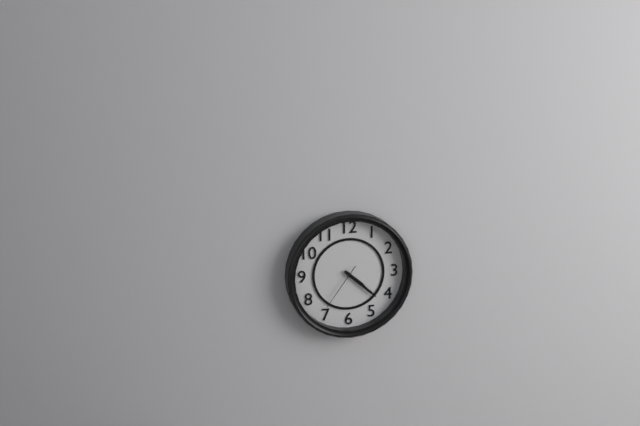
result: h=4 m=22 s=36
